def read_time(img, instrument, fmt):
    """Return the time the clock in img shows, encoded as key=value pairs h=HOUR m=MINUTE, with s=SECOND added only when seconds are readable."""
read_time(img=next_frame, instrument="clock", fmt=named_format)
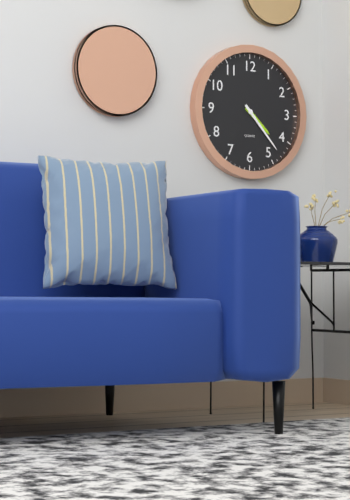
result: h=4 m=23
